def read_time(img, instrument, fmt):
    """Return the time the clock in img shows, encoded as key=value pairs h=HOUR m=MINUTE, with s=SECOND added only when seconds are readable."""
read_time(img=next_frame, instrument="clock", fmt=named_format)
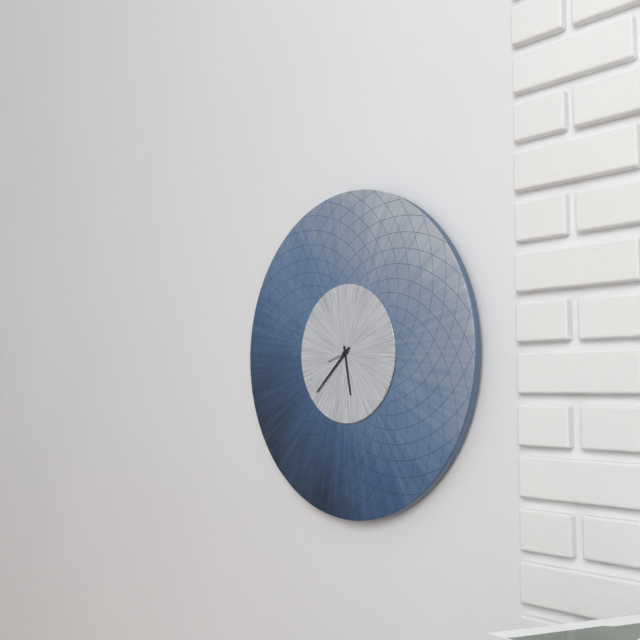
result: h=5 m=38
